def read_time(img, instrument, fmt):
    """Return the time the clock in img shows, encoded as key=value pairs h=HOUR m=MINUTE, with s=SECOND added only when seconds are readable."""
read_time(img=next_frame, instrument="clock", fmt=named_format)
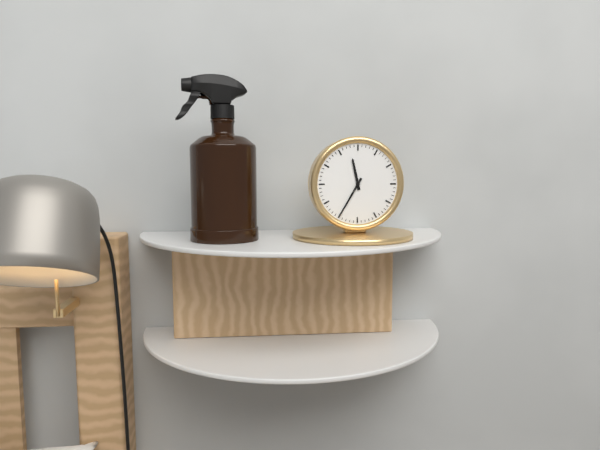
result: h=11 m=35
